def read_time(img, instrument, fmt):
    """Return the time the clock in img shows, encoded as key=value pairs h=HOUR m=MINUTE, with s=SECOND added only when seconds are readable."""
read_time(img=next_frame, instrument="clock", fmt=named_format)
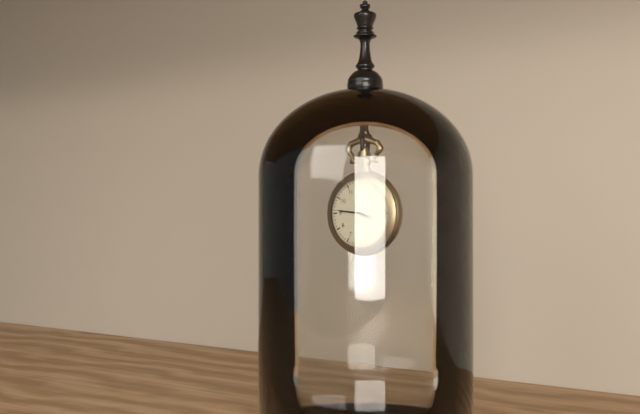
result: h=3 m=46
